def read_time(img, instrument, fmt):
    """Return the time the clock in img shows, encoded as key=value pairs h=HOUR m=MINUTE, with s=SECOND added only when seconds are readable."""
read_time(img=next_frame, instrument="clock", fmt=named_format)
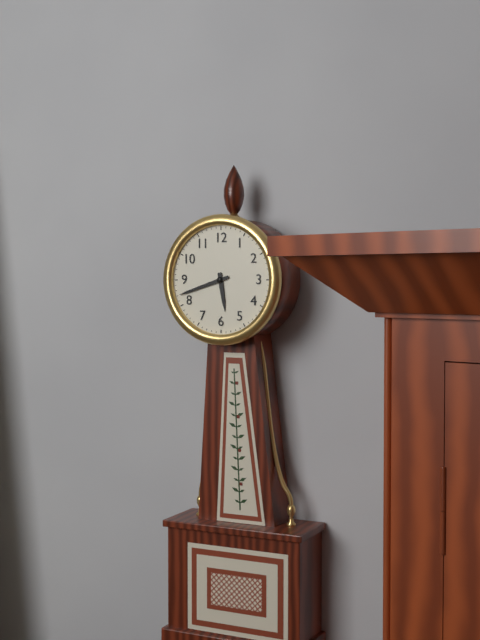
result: h=5 m=42
